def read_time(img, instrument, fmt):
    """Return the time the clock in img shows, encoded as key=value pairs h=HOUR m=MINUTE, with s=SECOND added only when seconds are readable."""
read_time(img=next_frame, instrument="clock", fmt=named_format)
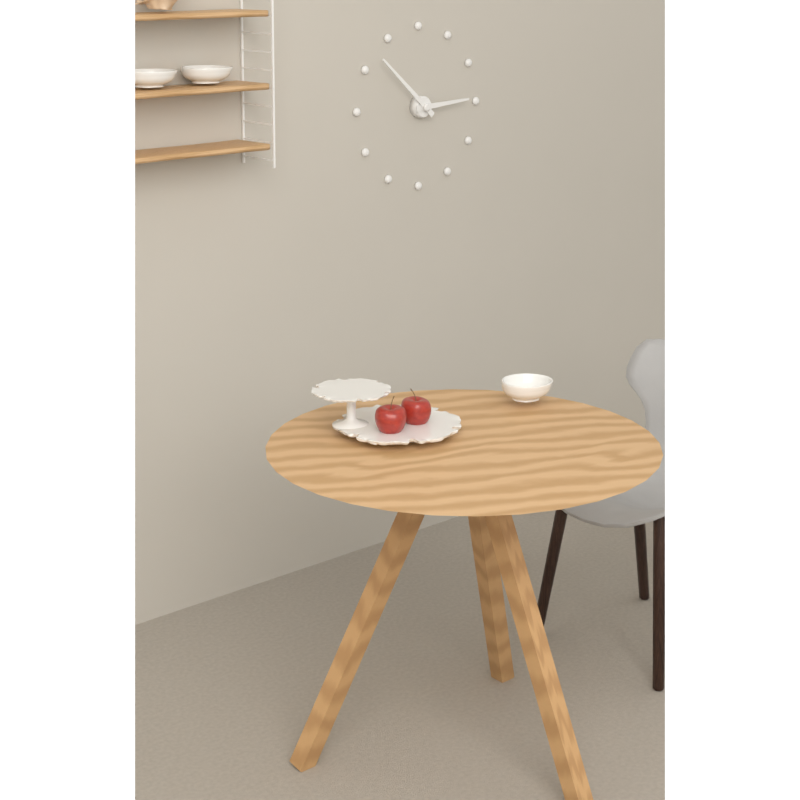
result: h=2 m=52
